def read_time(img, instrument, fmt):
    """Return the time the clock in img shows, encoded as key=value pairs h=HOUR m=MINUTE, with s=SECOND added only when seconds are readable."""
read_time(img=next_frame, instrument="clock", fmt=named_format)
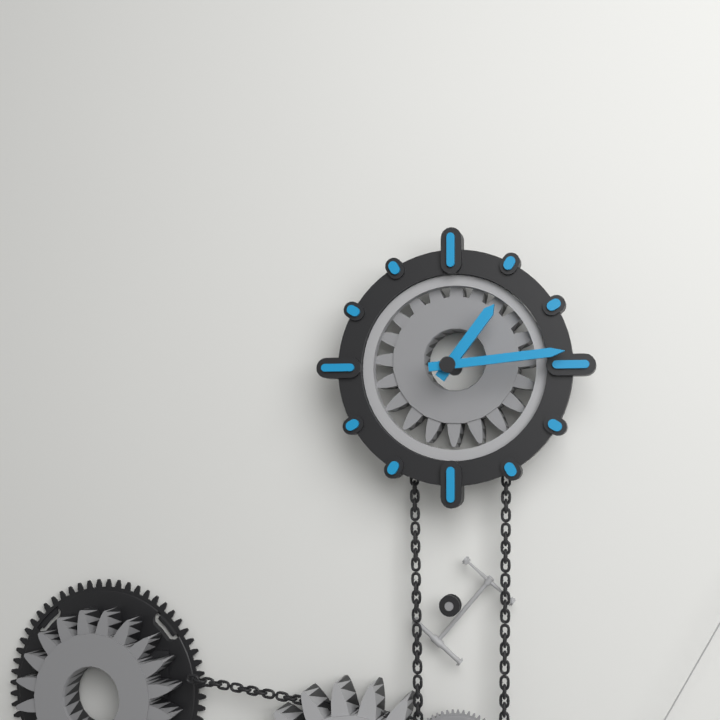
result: h=1 m=14
